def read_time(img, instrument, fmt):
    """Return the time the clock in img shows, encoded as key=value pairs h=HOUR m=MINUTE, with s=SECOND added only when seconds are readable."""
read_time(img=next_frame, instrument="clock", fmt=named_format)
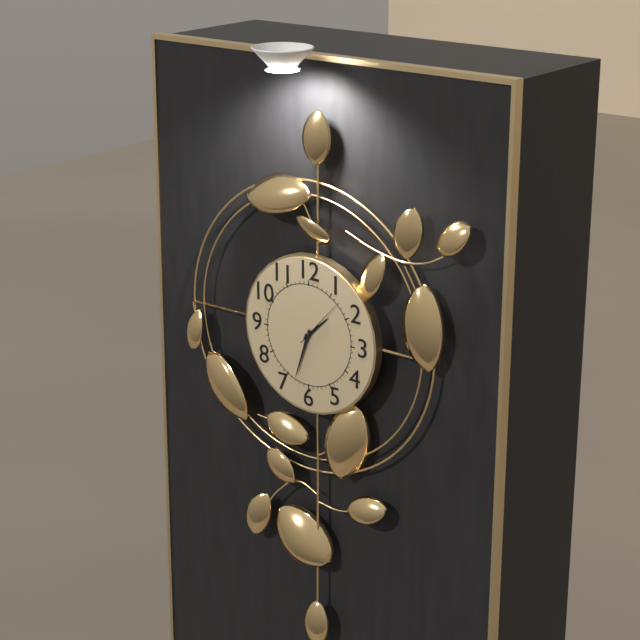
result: h=1 m=33 s=7
